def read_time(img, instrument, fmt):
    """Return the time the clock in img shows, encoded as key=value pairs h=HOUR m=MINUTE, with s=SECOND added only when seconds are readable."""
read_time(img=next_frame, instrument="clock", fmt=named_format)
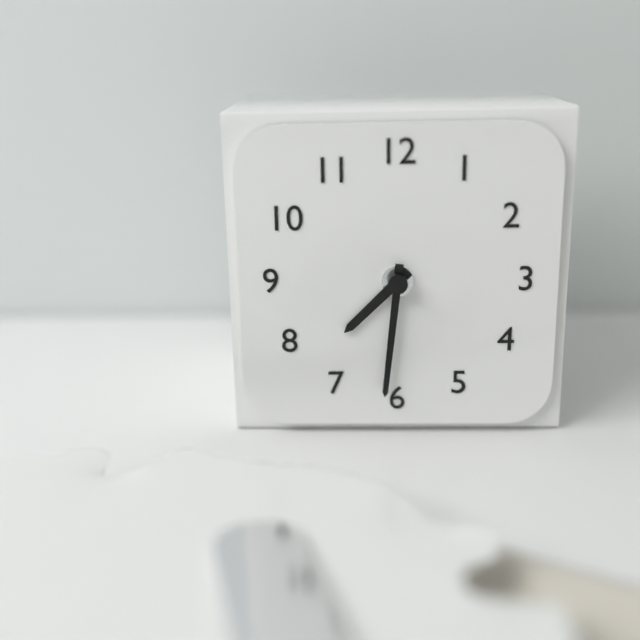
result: h=7 m=31
